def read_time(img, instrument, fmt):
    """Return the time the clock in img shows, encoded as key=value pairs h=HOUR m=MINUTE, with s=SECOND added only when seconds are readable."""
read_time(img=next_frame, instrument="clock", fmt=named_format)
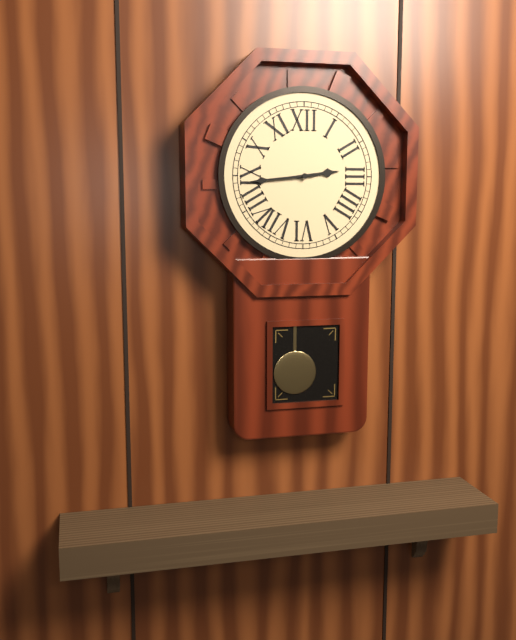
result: h=2 m=44
